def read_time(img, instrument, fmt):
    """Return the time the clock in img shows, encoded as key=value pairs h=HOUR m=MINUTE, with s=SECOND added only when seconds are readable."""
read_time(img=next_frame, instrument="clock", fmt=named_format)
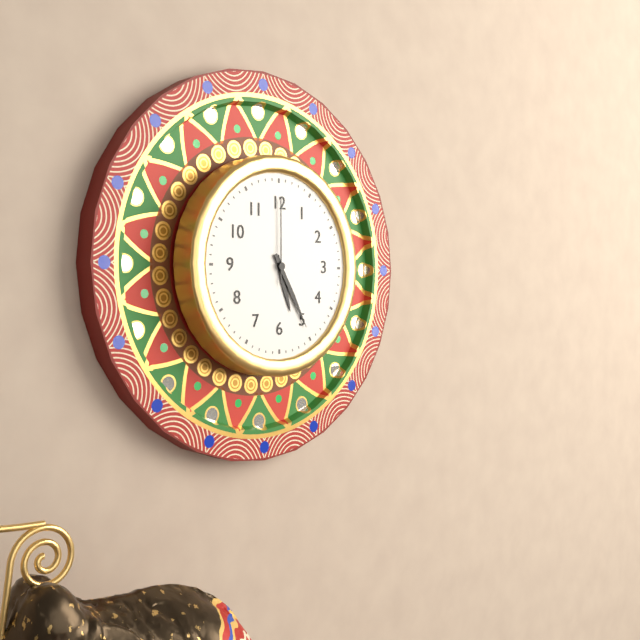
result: h=5 m=25 s=0
